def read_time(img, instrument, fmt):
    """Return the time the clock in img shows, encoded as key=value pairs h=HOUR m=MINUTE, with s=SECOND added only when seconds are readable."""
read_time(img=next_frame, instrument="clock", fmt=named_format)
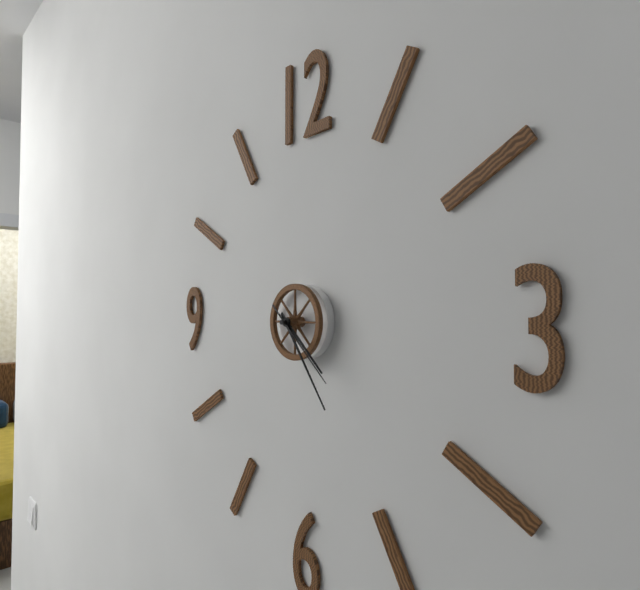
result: h=4 m=24 s=22
